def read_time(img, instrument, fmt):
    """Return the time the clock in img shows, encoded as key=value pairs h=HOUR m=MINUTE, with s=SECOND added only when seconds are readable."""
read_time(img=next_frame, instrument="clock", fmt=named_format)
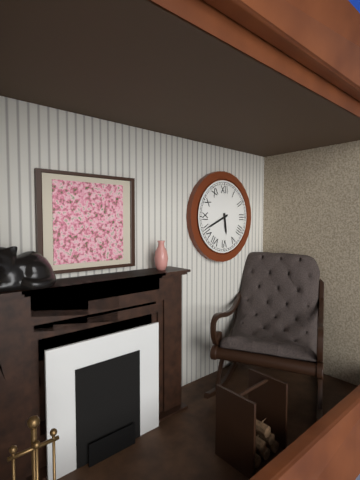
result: h=5 m=41
